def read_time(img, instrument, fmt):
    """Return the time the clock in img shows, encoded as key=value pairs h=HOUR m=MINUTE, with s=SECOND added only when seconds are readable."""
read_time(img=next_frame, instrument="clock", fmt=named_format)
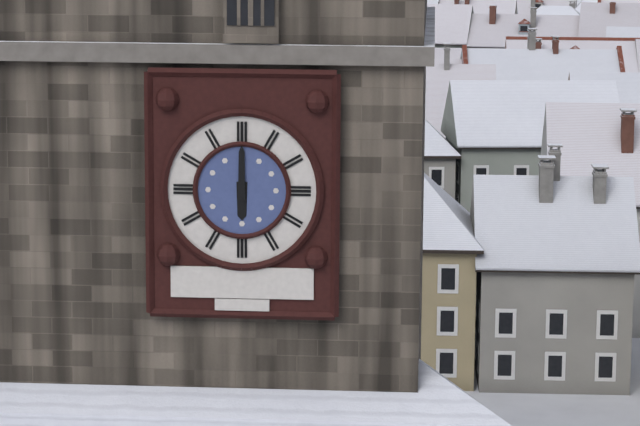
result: h=6 m=0
